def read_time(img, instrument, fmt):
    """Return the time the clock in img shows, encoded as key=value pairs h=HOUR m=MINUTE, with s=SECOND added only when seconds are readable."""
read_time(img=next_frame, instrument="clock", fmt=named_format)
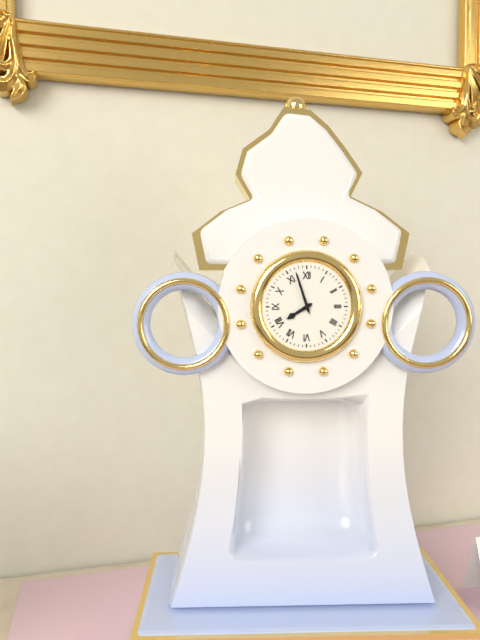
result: h=7 m=57
